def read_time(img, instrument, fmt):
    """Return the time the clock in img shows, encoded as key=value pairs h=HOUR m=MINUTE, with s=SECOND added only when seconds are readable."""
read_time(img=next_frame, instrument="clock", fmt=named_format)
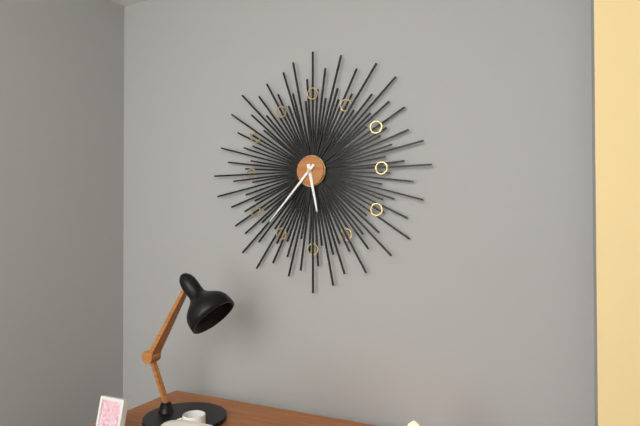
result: h=5 m=37
